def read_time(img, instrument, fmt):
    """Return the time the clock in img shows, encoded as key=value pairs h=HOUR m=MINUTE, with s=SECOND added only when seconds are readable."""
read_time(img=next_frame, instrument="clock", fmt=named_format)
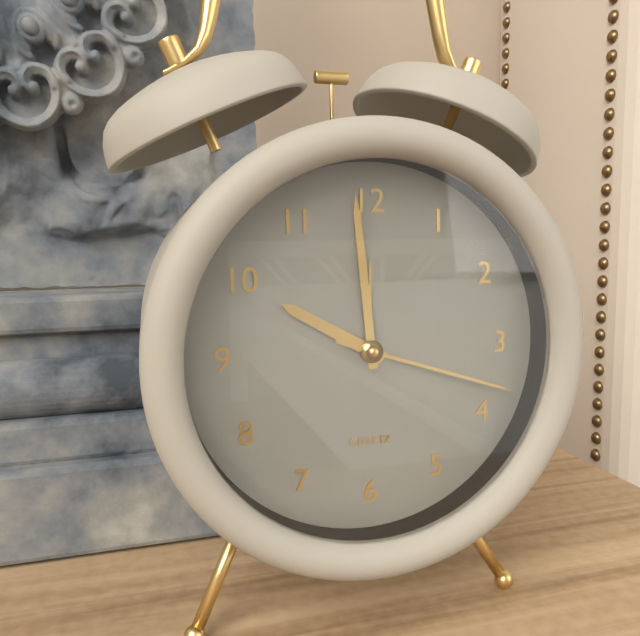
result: h=9 m=59 s=18
